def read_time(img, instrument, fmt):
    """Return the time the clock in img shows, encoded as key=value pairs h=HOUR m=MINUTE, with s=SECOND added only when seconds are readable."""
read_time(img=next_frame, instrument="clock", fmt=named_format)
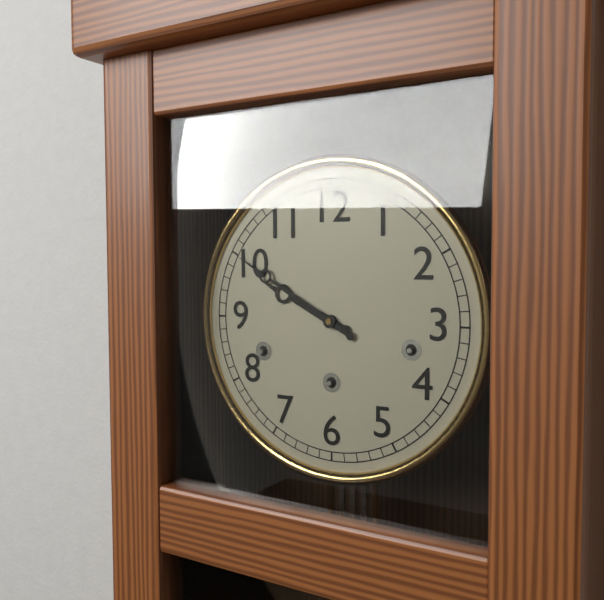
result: h=9 m=50
